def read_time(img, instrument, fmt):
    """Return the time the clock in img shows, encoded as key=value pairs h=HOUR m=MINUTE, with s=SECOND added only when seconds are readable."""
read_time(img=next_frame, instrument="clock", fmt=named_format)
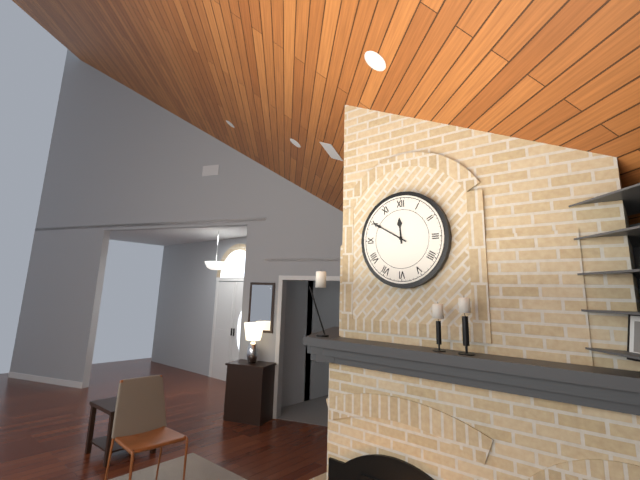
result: h=11 m=50
